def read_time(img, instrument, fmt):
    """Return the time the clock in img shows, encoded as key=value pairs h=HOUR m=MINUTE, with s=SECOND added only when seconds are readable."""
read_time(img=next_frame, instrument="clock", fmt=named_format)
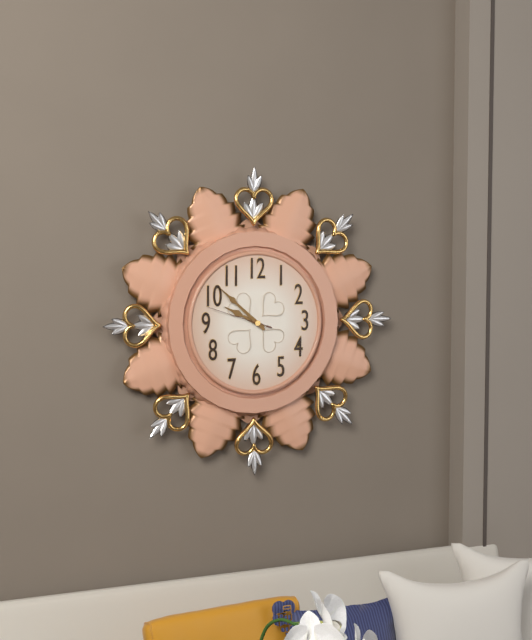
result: h=9 m=52 s=48
